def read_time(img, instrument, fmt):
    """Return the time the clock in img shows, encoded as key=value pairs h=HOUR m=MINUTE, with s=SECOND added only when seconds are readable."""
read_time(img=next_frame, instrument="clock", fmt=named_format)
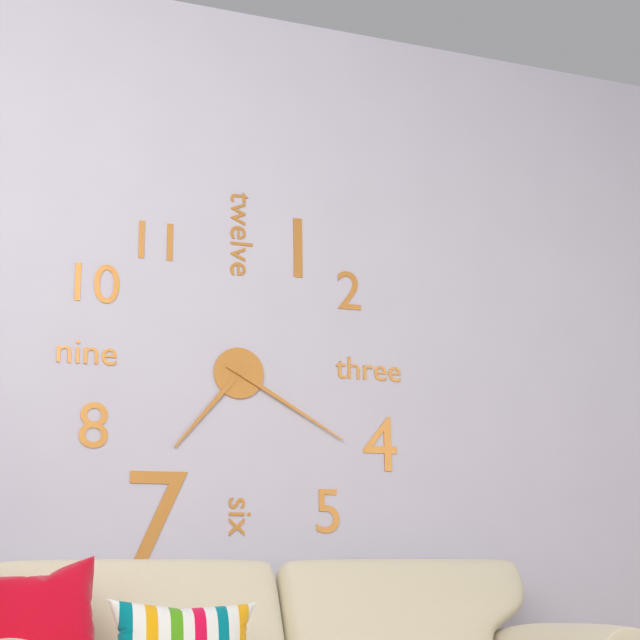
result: h=7 m=20
